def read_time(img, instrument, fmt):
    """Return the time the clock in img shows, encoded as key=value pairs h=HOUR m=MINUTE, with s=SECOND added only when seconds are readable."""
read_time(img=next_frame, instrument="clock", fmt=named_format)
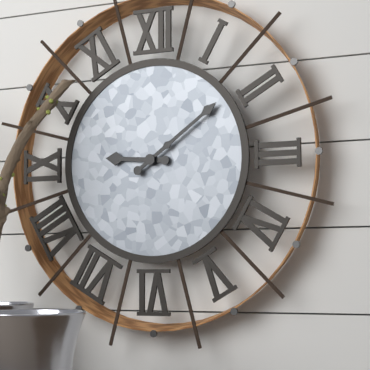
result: h=9 m=9
